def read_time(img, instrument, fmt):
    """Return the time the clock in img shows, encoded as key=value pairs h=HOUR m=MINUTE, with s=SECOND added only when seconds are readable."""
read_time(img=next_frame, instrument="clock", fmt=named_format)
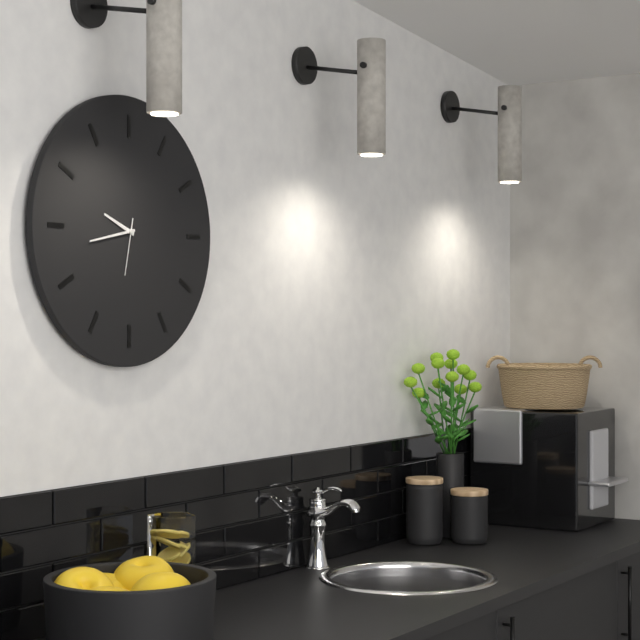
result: h=9 m=43 s=32
